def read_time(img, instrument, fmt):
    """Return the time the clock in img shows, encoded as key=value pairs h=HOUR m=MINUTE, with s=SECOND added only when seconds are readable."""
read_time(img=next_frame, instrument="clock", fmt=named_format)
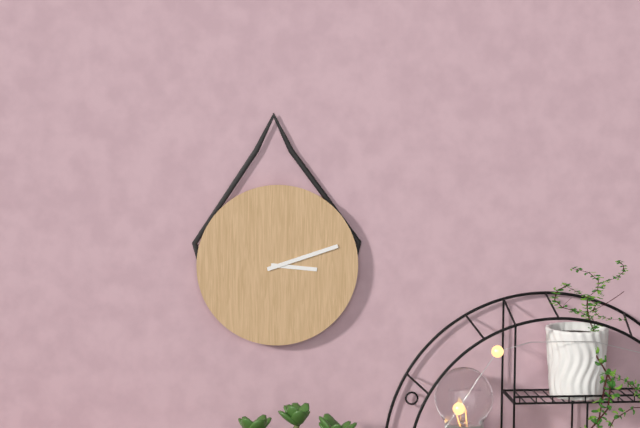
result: h=3 m=12
